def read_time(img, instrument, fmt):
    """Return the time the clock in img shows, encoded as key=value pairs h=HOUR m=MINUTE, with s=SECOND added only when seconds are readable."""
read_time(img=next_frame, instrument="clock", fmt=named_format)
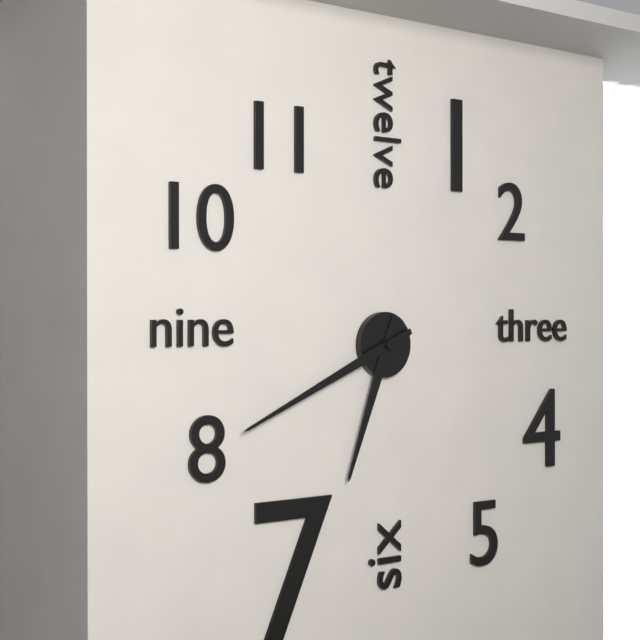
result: h=6 m=41
